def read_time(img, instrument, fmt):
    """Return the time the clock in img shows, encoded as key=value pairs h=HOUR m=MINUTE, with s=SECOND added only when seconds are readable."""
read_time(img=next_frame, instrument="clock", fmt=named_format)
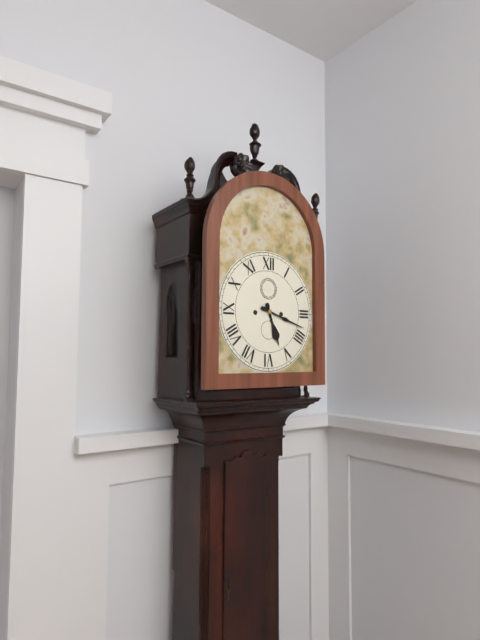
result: h=5 m=18
